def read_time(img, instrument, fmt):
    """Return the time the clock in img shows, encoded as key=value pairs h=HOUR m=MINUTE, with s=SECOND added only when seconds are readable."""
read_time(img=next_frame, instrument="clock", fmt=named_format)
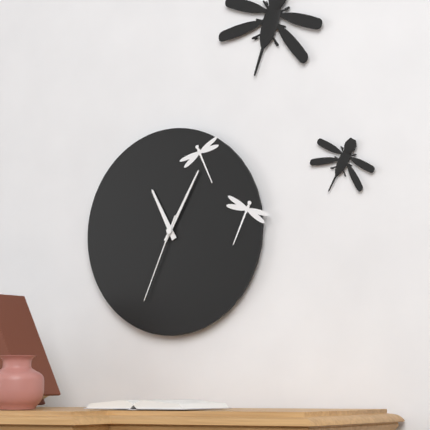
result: h=11 m=5 s=34
